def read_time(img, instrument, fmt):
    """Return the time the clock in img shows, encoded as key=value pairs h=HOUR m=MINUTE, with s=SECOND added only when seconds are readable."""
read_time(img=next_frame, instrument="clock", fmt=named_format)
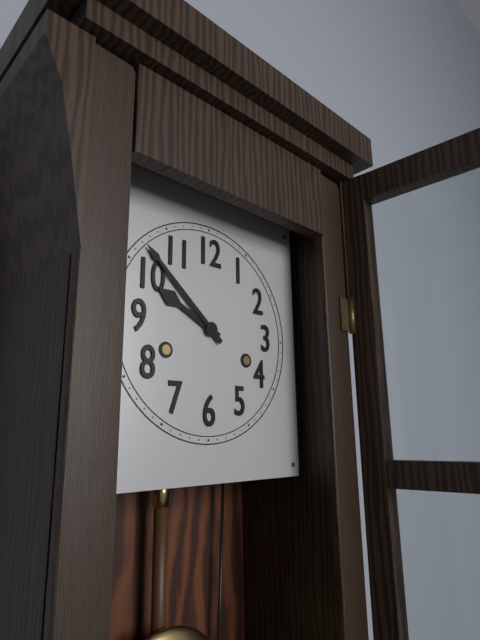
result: h=9 m=52
